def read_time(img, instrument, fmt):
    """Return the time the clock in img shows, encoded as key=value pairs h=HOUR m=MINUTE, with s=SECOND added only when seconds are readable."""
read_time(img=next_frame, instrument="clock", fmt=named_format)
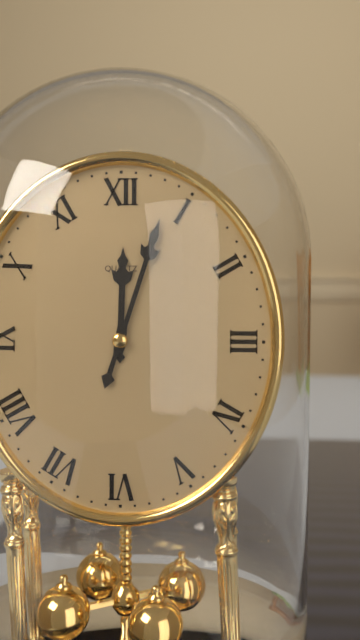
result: h=12 m=3
